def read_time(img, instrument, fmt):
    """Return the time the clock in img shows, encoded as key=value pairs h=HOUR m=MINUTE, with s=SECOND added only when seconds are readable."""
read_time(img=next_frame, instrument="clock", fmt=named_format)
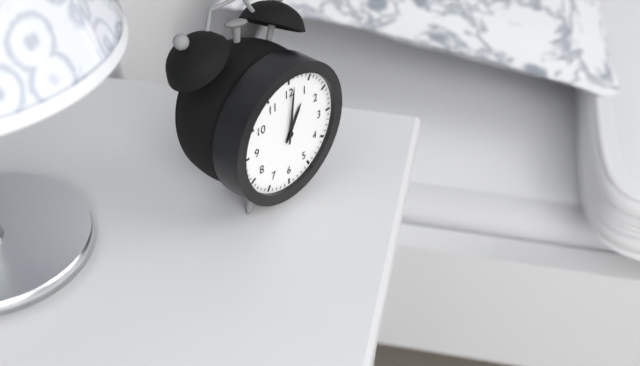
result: h=1 m=1
